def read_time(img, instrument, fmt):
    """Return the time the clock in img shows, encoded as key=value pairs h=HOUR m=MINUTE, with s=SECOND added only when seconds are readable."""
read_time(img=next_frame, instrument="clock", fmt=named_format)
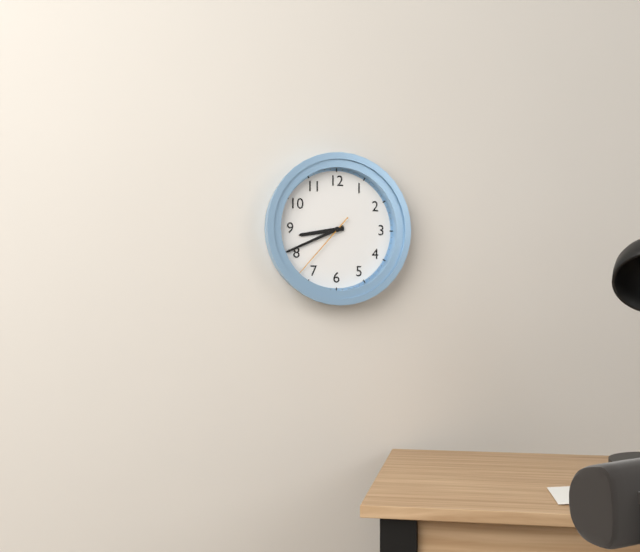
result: h=8 m=41 s=37
